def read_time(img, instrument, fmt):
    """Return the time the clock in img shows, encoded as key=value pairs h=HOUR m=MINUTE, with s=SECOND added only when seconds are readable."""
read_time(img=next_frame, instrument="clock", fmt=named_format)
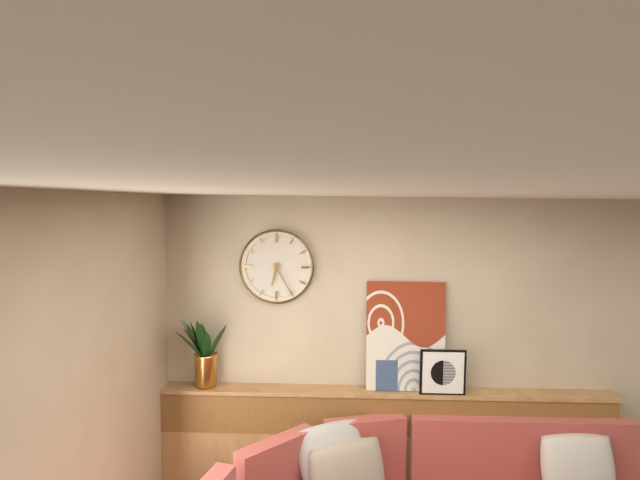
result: h=6 m=25
